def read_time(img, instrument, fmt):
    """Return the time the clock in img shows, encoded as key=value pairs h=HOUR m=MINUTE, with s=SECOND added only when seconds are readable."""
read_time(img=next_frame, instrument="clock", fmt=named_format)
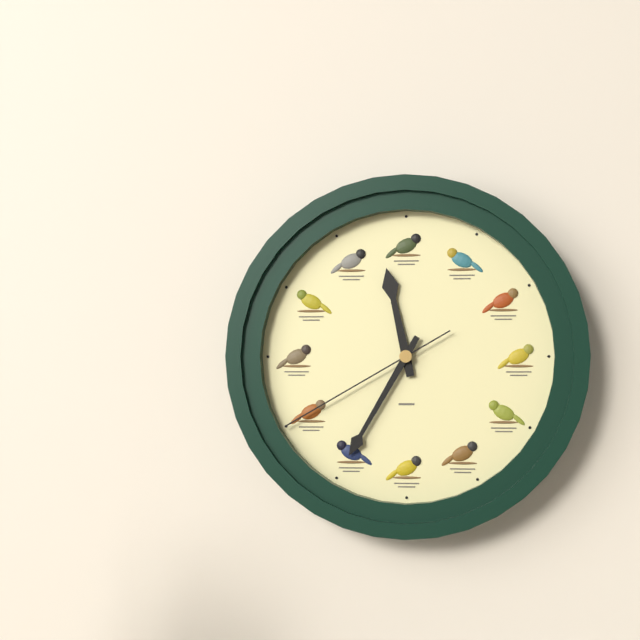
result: h=11 m=35 s=40
